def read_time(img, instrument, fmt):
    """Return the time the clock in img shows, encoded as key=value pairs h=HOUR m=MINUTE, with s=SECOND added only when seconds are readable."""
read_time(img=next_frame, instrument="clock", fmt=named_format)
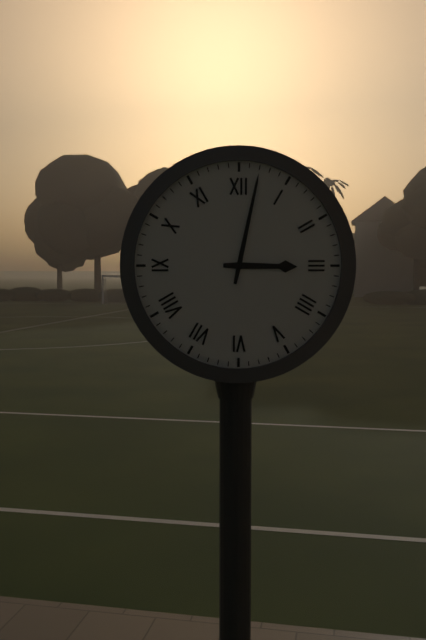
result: h=3 m=2
